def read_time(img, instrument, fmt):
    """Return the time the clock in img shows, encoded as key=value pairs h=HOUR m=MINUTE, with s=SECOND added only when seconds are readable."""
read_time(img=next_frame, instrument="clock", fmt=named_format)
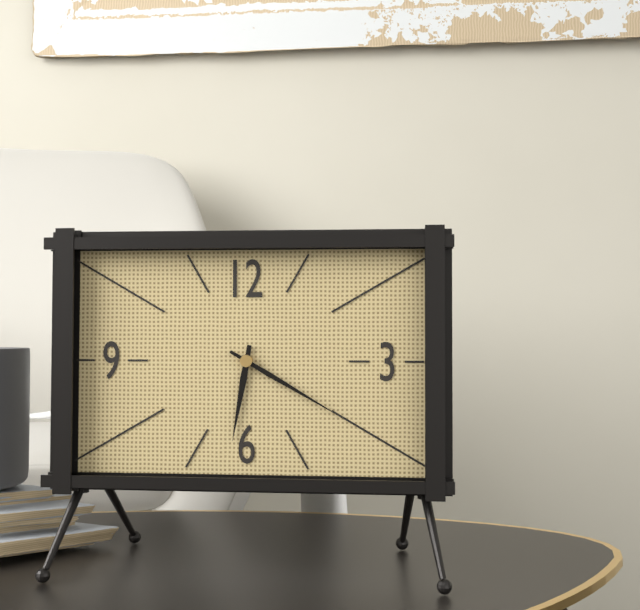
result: h=6 m=20
